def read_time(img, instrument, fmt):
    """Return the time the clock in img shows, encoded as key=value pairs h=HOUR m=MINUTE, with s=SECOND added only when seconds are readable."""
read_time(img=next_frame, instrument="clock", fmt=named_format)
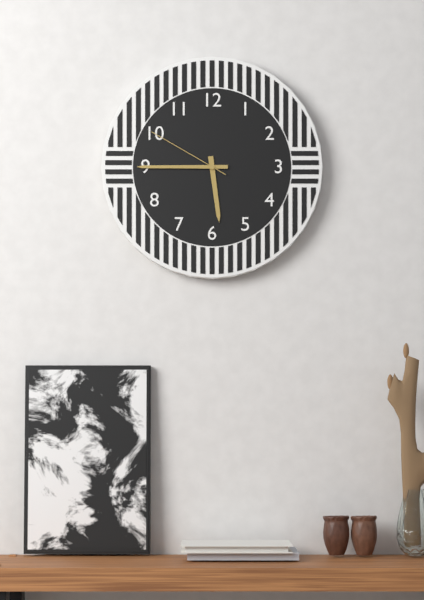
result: h=5 m=45 s=50
